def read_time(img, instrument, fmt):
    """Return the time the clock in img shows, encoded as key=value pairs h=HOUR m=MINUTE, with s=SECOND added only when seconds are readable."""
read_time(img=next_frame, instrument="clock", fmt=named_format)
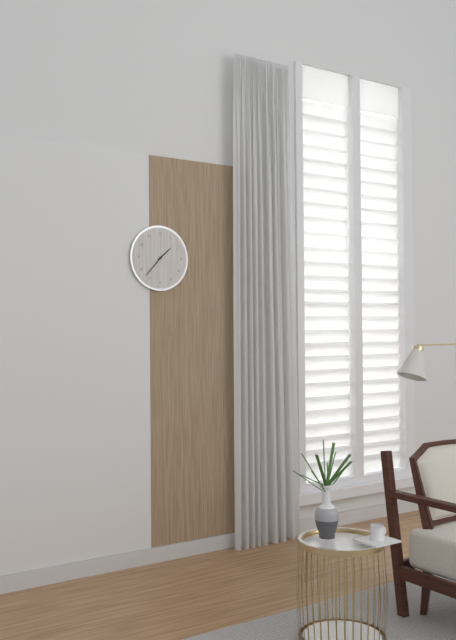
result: h=1 m=37
